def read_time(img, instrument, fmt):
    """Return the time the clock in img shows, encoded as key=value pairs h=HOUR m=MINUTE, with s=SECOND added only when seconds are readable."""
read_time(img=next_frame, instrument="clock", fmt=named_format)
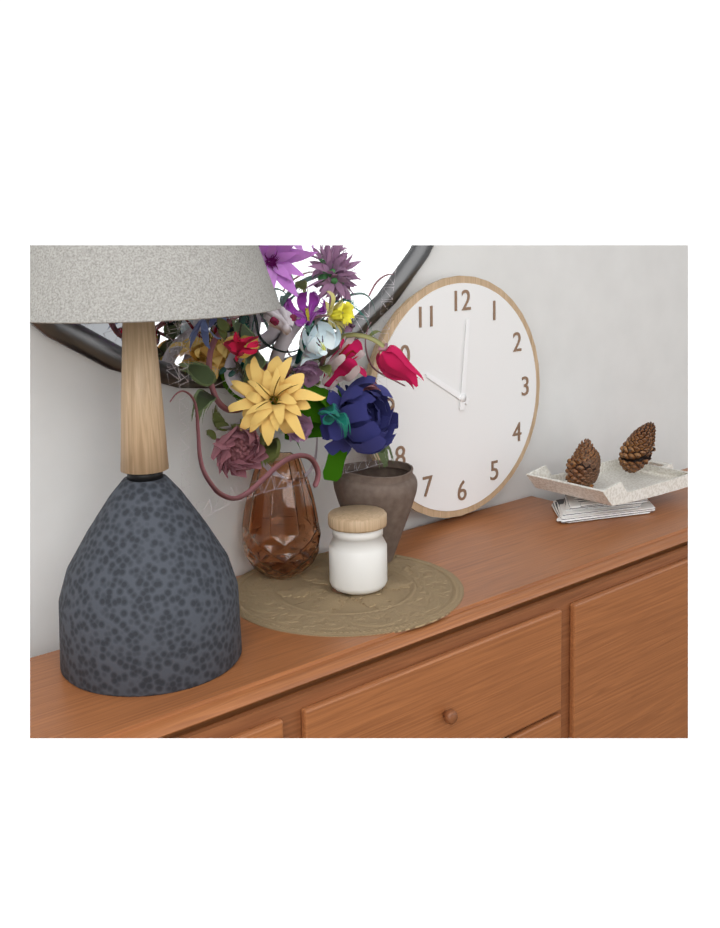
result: h=10 m=1
